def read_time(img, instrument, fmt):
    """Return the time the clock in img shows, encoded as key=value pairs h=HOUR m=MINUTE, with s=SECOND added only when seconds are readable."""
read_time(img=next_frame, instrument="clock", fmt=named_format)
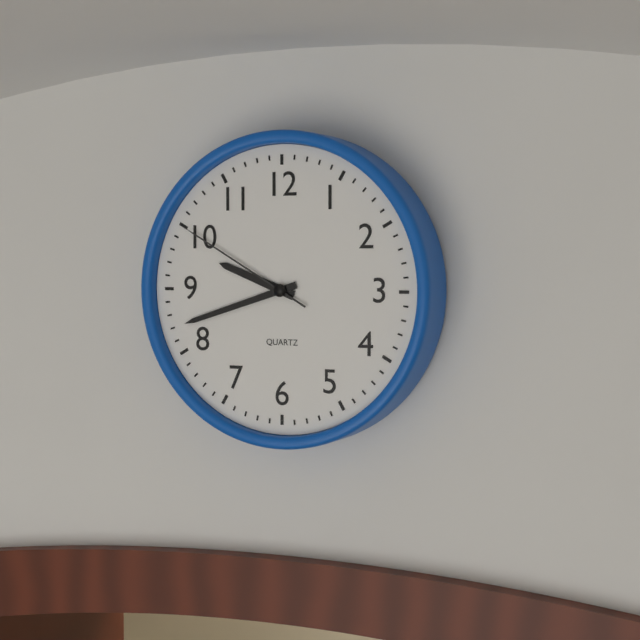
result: h=9 m=42 s=50
